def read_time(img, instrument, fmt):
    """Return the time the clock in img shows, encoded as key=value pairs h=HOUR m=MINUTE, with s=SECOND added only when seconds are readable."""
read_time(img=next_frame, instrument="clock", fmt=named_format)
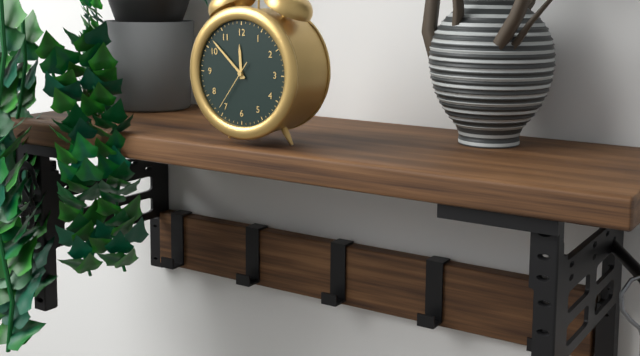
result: h=11 m=52
